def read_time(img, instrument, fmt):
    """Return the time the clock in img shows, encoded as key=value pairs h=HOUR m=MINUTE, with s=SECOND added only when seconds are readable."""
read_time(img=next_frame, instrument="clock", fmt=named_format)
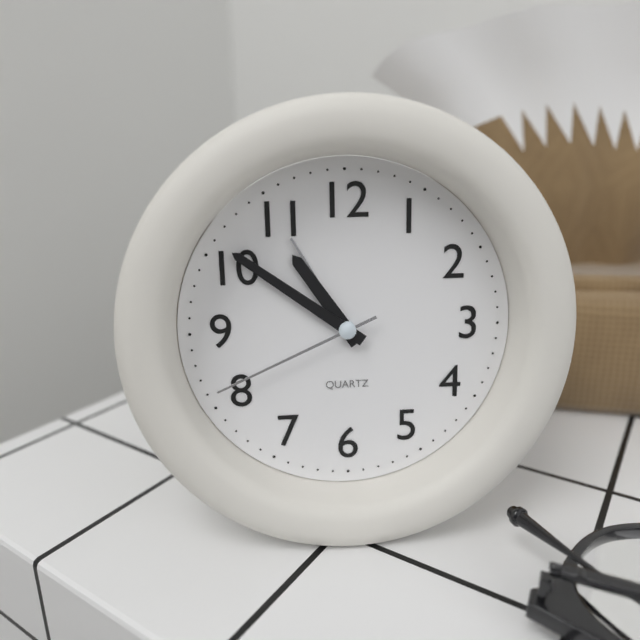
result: h=10 m=51 s=41
